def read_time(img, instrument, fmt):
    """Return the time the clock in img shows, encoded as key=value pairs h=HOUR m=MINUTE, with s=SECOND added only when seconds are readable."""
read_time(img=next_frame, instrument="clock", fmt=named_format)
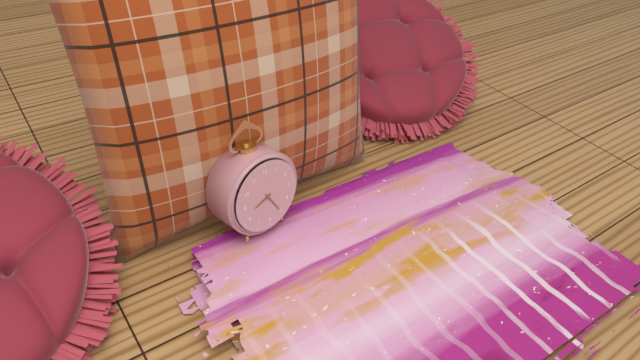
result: h=8 m=25
